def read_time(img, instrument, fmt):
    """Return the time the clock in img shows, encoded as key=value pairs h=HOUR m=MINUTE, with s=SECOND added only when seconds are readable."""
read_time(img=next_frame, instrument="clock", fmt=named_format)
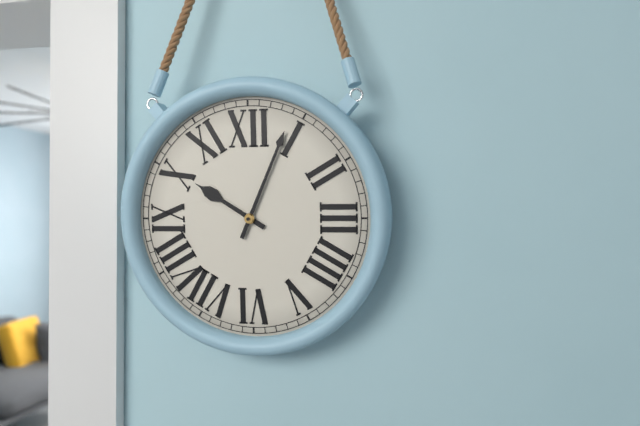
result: h=10 m=4
